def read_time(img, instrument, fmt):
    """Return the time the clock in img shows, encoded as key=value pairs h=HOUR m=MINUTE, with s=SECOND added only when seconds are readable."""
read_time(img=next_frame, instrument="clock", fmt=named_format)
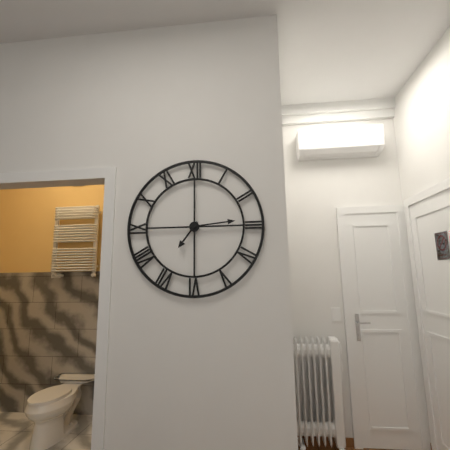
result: h=7 m=14
